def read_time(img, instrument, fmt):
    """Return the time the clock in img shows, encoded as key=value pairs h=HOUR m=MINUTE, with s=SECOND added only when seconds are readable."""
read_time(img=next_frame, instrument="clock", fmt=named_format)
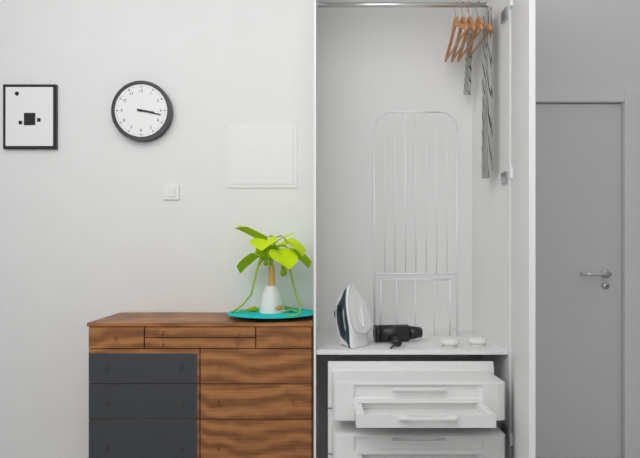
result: h=3 m=17
